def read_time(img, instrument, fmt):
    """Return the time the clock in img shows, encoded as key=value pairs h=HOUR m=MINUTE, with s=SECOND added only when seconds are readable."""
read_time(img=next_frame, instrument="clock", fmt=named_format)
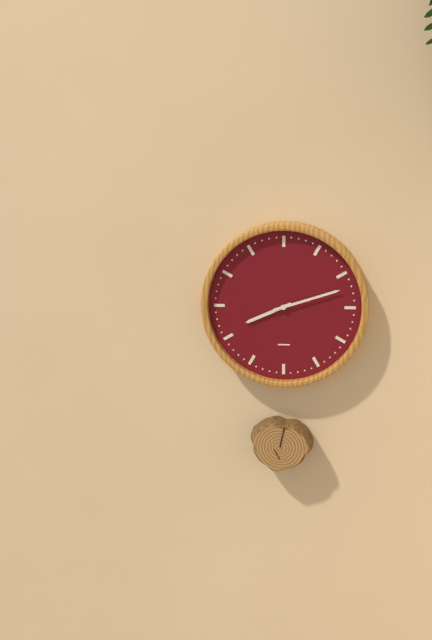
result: h=8 m=12
